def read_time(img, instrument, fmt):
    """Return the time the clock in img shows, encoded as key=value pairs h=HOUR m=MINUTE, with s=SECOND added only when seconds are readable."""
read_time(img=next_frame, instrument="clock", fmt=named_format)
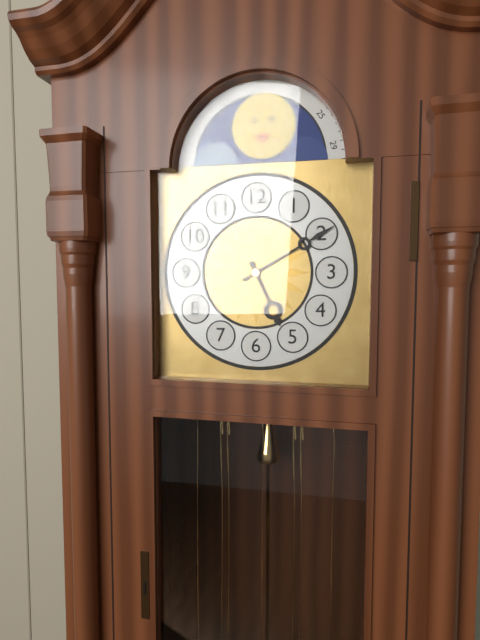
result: h=5 m=10
